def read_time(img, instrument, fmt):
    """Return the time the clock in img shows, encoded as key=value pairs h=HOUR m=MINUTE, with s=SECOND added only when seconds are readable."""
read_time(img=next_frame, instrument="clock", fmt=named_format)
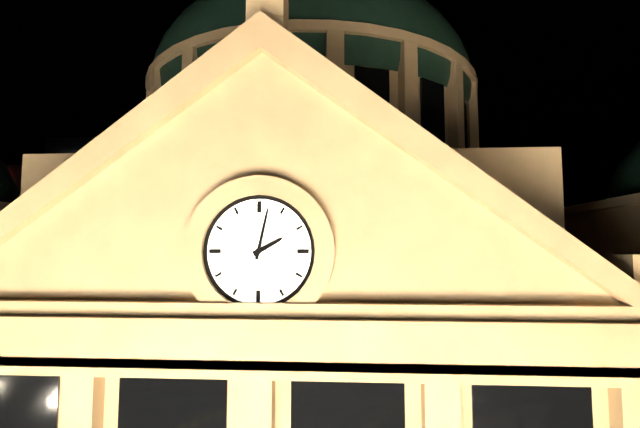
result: h=2 m=2
